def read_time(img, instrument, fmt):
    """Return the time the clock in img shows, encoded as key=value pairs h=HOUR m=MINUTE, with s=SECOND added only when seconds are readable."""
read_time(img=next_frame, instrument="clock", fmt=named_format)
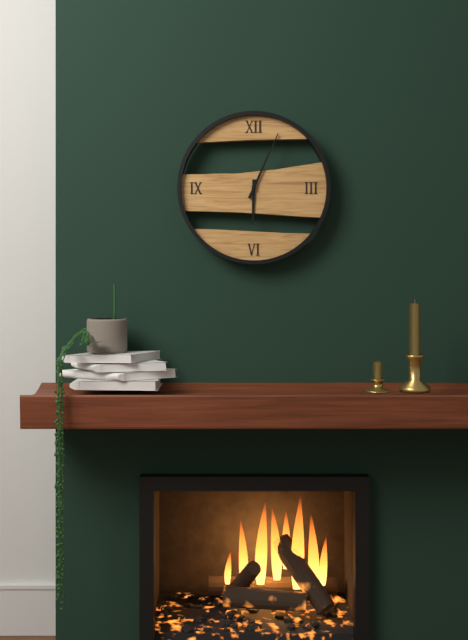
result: h=6 m=4
